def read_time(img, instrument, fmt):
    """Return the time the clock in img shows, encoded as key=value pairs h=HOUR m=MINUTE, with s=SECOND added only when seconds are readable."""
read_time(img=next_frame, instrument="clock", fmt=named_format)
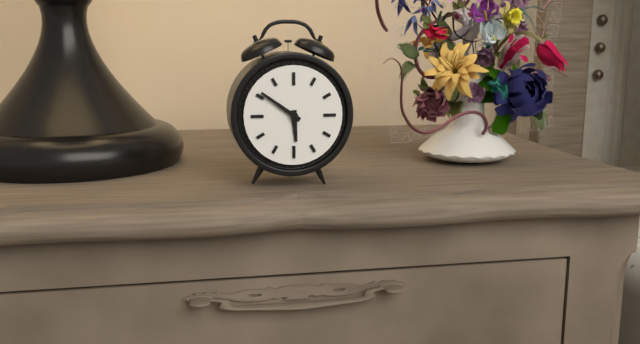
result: h=5 m=51
